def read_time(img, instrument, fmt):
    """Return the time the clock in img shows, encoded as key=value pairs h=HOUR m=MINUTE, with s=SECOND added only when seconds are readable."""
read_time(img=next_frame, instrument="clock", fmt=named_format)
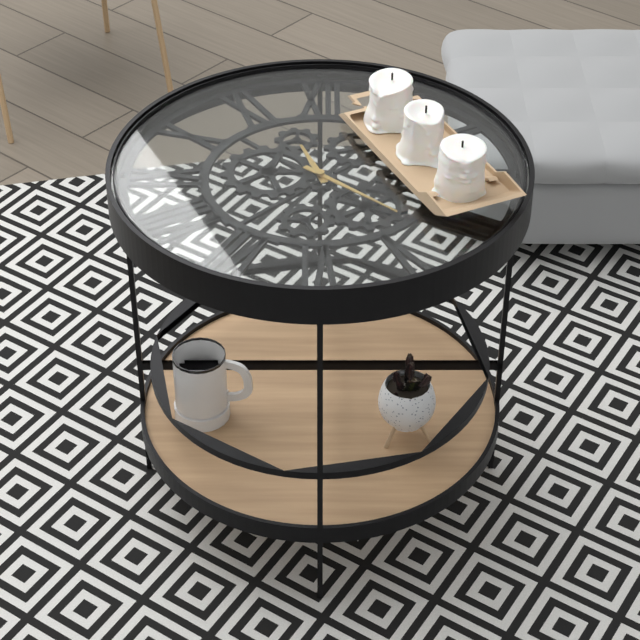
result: h=11 m=22
